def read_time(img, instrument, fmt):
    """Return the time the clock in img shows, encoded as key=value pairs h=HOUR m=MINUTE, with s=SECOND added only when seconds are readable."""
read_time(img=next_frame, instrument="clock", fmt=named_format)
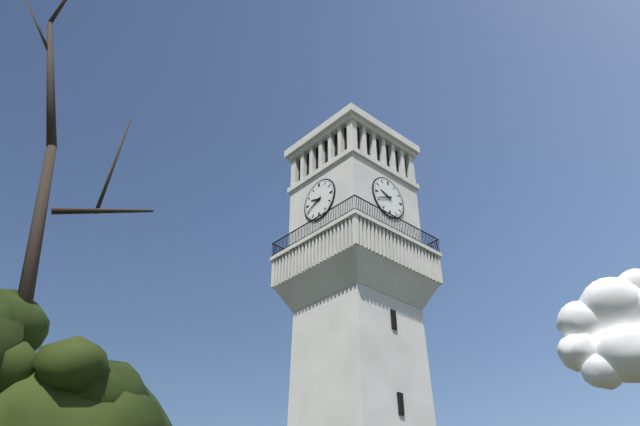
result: h=9 m=41
